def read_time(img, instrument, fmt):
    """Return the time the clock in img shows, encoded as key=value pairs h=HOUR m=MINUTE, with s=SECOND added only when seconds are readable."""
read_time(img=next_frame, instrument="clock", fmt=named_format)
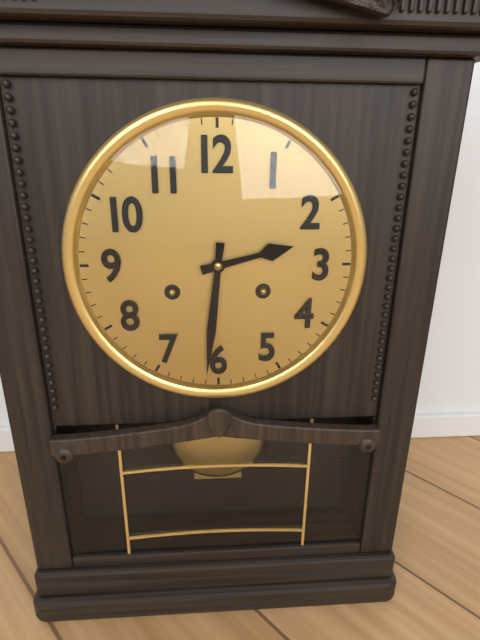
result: h=2 m=31
